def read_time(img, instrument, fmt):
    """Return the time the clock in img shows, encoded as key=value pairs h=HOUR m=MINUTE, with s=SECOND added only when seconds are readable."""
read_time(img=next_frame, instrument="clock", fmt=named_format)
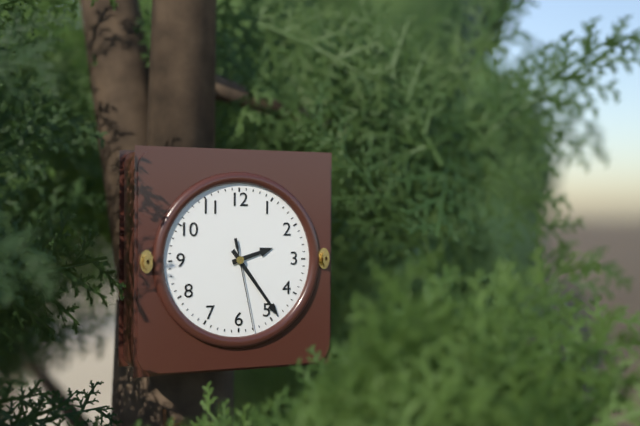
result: h=2 m=24 s=28
